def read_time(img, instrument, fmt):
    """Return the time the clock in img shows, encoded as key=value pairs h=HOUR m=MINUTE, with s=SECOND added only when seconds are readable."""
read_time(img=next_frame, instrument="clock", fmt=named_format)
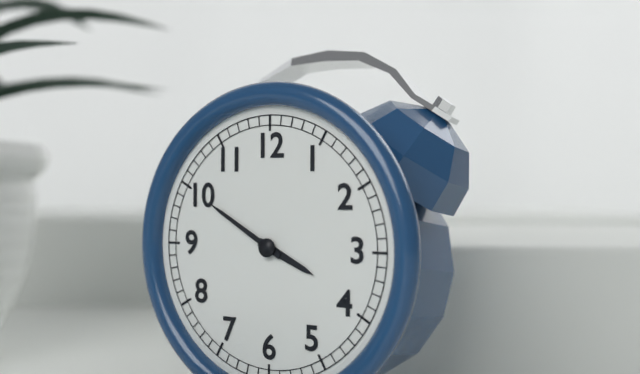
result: h=3 m=50
